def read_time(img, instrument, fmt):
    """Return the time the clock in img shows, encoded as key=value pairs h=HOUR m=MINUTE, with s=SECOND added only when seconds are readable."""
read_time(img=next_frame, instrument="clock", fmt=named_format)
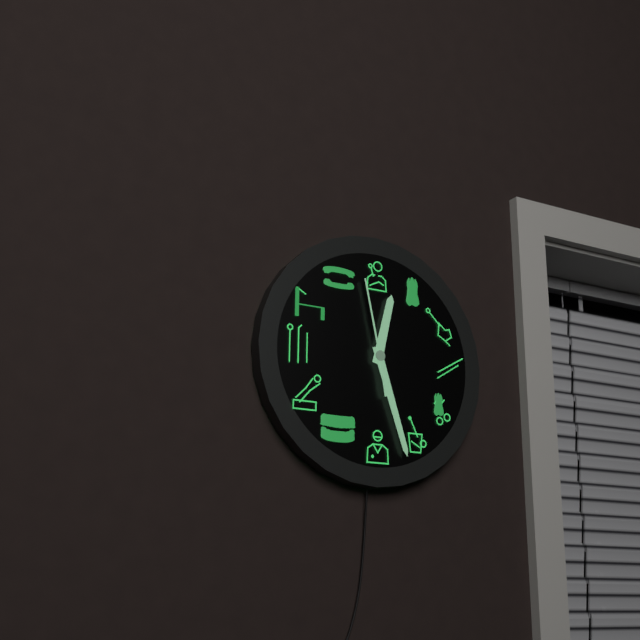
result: h=12 m=27 s=58
